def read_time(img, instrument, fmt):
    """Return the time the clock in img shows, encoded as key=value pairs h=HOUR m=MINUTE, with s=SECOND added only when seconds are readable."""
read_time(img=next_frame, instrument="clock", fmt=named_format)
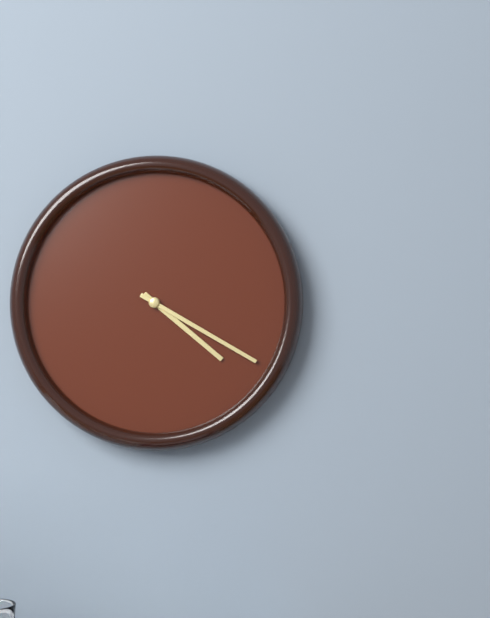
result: h=4 m=20
